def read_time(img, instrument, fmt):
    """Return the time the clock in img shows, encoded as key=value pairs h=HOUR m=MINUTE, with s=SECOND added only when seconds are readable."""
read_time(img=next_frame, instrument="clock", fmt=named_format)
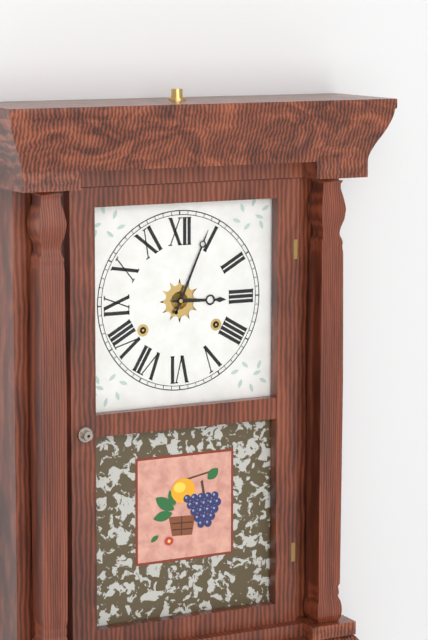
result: h=3 m=4
